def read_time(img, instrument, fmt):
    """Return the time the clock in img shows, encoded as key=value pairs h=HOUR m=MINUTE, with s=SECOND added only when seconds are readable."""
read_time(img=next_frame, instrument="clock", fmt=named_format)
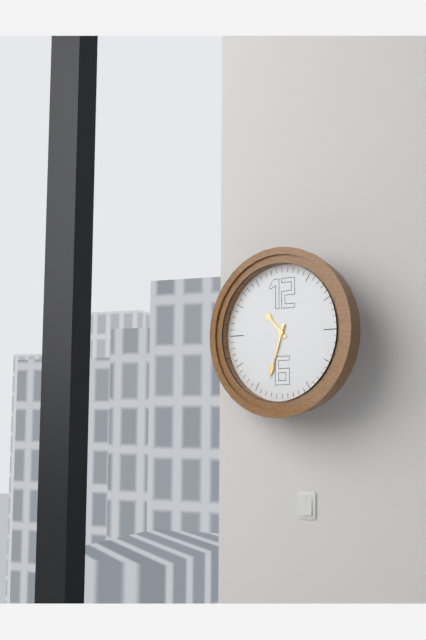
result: h=10 m=33
